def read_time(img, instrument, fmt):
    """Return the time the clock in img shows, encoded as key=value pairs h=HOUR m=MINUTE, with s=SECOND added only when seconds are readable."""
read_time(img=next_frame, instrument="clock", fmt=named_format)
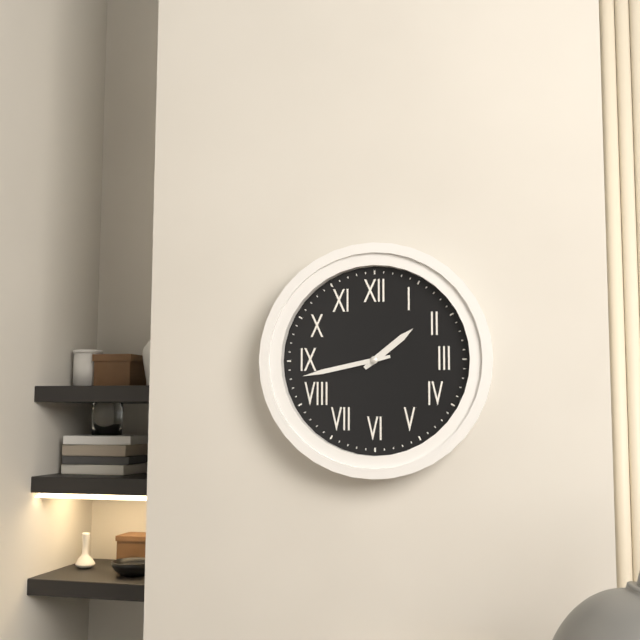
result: h=1 m=43
